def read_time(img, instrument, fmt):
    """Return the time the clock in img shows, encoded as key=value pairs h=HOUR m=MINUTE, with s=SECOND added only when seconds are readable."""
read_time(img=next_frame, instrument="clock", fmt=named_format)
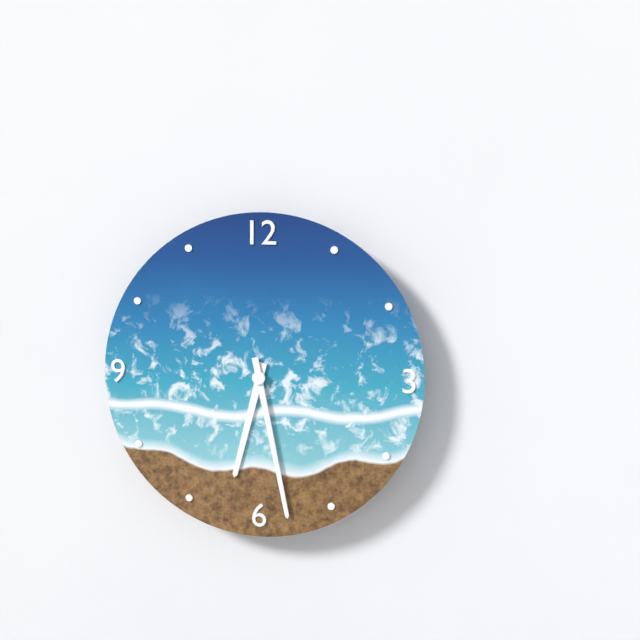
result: h=6 m=28
